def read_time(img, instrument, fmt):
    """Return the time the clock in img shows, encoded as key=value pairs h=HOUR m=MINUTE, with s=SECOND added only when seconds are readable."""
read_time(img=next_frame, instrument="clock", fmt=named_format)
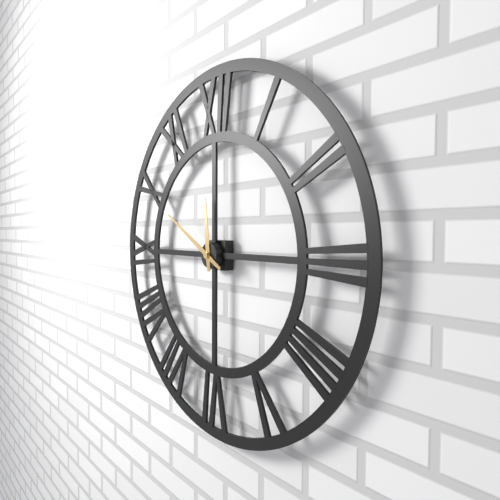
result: h=11 m=50
